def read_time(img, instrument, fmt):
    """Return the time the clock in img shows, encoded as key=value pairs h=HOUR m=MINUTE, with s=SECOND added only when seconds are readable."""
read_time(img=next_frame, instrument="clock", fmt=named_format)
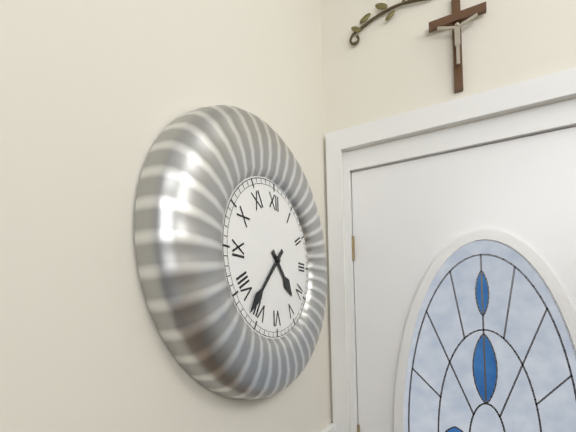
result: h=4 m=37
